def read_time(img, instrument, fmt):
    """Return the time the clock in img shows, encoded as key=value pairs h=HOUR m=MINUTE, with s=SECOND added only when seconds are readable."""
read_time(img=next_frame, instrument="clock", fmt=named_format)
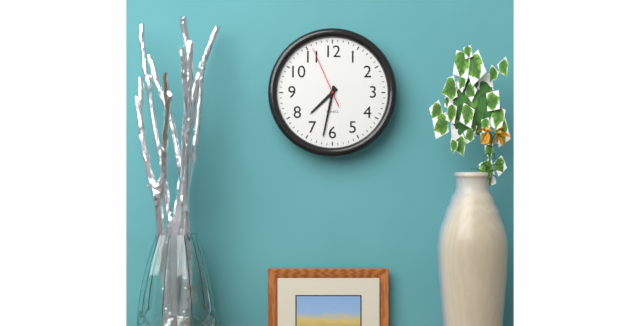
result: h=7 m=32 s=56
